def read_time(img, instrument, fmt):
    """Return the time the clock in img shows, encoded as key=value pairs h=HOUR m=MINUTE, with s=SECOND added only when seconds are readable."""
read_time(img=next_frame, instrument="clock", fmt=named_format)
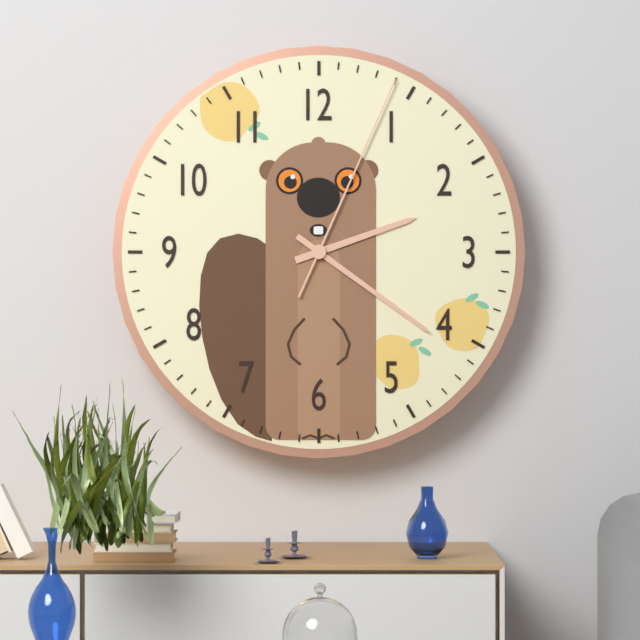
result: h=2 m=21 s=4
